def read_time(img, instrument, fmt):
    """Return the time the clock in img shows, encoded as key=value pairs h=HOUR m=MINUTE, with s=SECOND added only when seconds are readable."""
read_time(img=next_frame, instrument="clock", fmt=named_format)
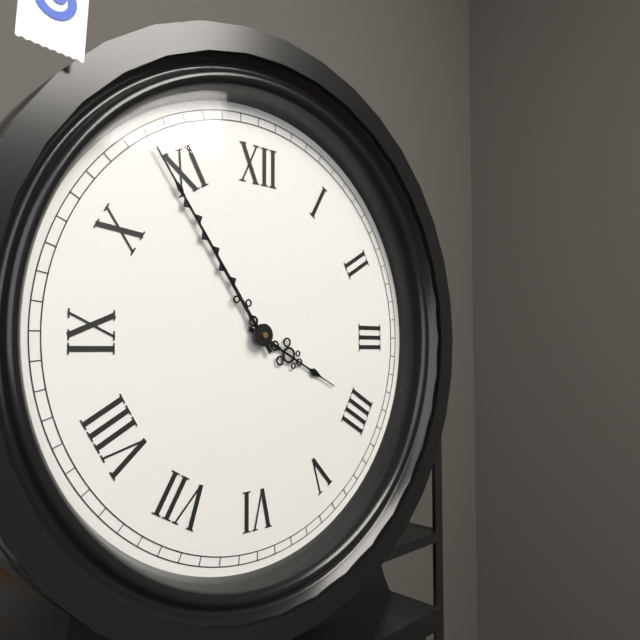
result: h=3 m=54
